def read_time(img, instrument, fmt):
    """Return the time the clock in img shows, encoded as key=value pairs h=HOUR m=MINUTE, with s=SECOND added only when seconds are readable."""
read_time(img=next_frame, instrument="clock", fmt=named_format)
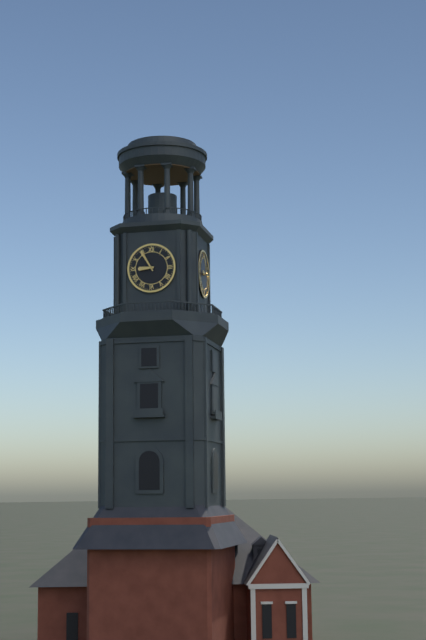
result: h=8 m=55
